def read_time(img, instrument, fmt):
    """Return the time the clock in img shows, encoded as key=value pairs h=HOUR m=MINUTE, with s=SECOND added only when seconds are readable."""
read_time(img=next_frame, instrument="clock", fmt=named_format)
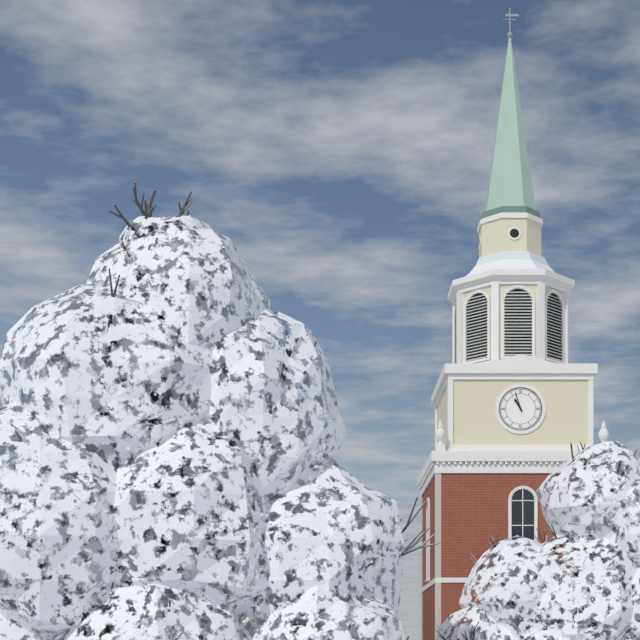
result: h=10 m=57
